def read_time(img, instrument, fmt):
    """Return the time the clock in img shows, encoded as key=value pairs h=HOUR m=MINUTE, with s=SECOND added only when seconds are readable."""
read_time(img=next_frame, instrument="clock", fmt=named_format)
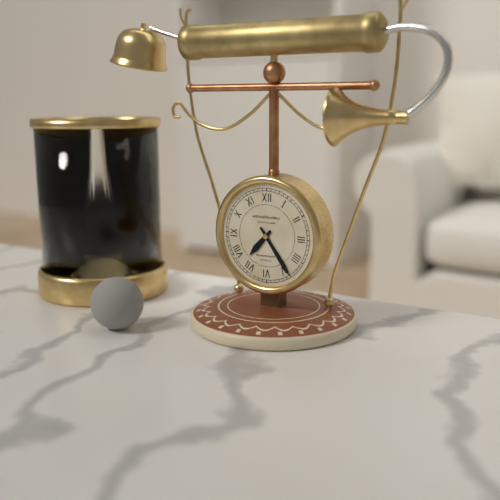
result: h=7 m=24
